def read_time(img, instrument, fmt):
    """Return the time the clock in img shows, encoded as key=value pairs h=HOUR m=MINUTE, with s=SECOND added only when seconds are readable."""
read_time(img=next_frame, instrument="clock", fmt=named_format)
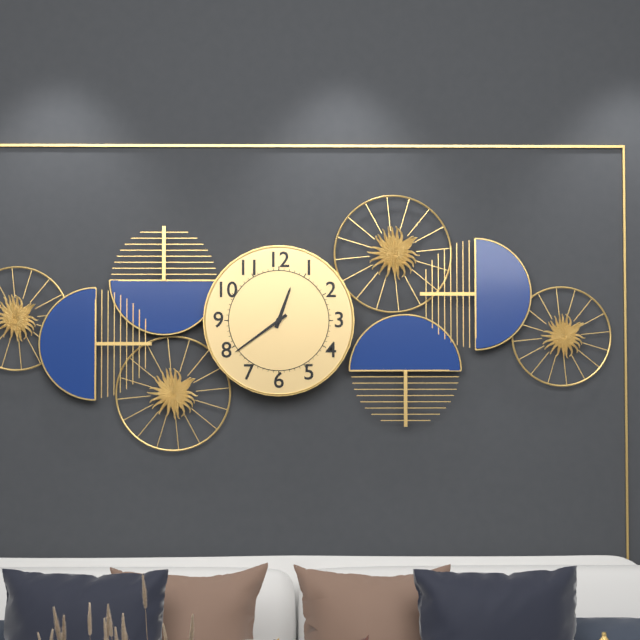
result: h=12 m=39
